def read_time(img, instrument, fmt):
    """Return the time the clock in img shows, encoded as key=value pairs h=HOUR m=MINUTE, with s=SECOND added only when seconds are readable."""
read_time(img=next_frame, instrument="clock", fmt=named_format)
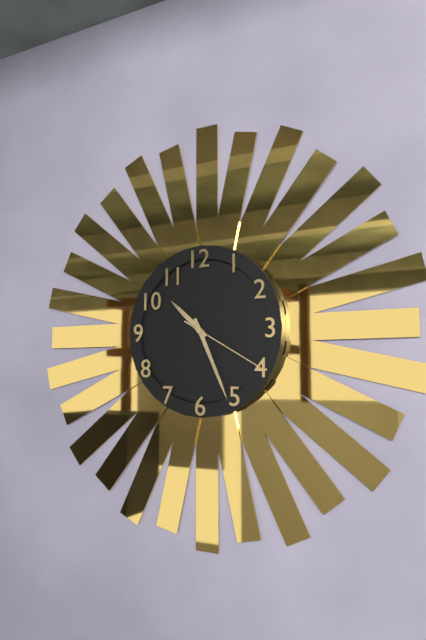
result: h=10 m=26 s=20
